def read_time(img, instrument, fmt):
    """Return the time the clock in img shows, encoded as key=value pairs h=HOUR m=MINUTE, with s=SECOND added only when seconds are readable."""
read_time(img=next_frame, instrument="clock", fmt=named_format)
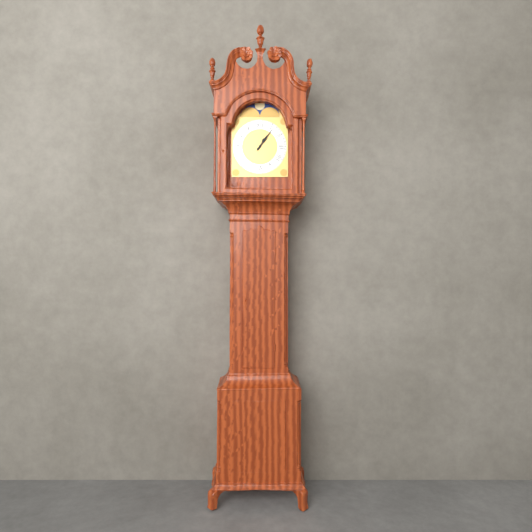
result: h=1 m=6
